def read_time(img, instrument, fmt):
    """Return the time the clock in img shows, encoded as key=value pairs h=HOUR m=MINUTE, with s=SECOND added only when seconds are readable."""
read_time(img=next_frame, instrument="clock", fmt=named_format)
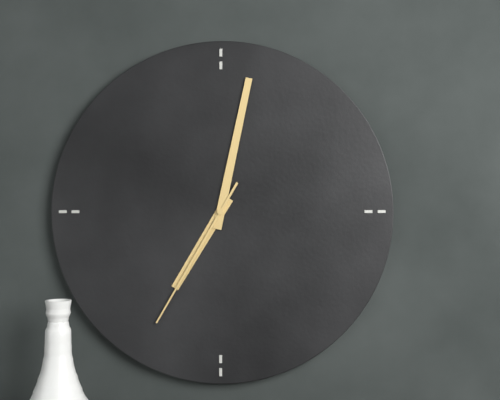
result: h=7 m=2 s=35
